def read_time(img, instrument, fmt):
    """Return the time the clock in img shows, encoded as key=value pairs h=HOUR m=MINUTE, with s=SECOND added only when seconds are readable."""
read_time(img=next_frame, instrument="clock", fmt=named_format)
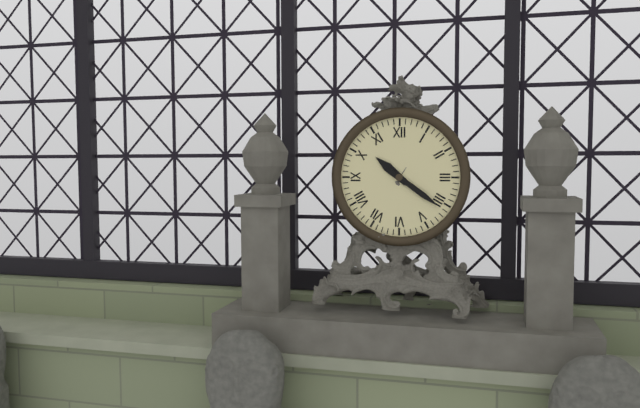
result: h=10 m=21
